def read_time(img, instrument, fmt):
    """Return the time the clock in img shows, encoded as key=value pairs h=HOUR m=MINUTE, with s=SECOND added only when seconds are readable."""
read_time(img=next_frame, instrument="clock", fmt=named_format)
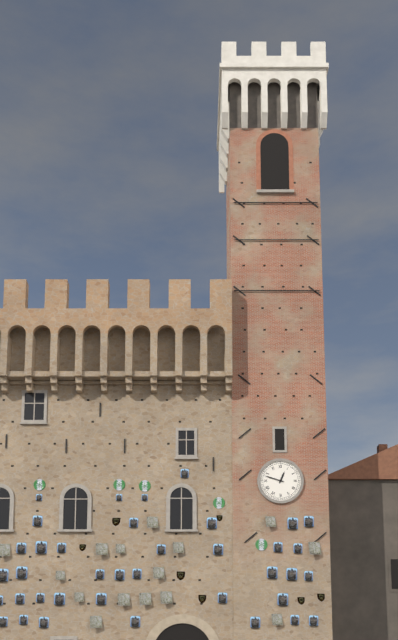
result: h=12 m=48
